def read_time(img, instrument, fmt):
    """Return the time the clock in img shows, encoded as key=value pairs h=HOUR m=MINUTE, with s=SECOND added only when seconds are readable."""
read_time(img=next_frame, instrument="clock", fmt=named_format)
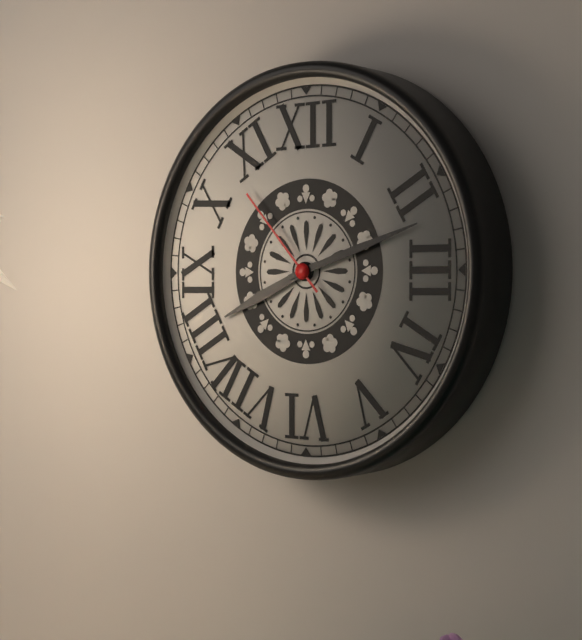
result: h=8 m=12 s=53
